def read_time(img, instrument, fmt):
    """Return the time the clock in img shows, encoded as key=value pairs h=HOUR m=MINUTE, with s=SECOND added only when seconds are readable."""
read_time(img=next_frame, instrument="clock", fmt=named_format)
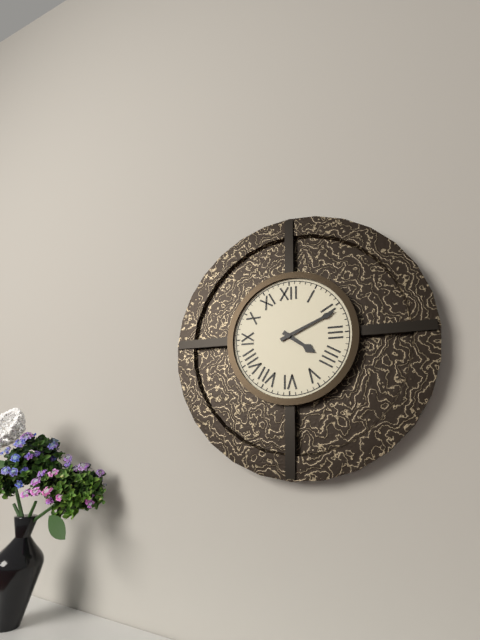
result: h=4 m=11
